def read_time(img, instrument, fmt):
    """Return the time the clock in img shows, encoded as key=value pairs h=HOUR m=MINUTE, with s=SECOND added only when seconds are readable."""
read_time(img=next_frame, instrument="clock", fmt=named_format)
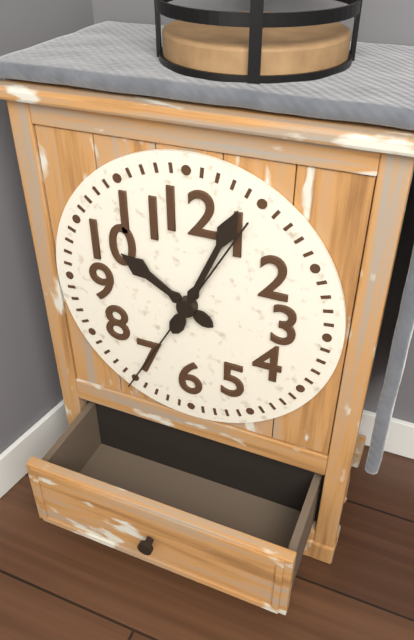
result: h=10 m=4 s=35
